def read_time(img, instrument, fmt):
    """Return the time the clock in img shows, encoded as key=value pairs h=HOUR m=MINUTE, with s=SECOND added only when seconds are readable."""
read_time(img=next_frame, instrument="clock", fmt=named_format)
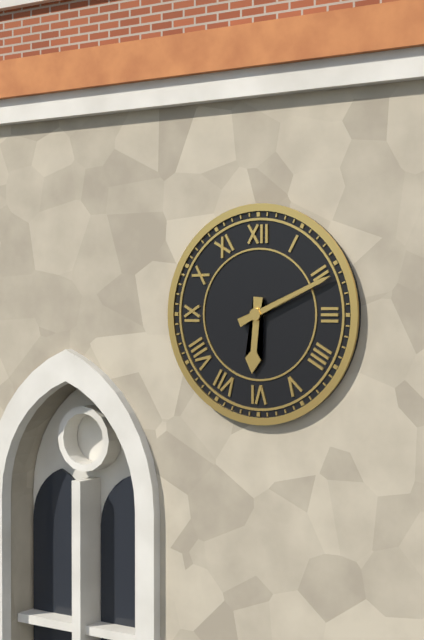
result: h=6 m=11
